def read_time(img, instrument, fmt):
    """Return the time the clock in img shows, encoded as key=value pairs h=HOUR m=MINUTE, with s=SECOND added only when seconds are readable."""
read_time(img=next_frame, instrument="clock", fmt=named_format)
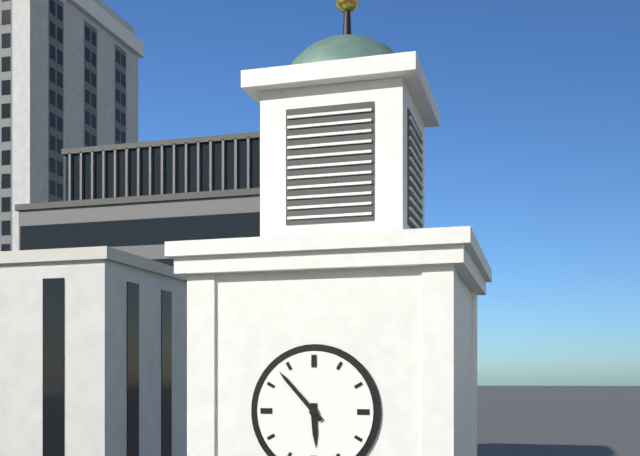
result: h=5 m=53
